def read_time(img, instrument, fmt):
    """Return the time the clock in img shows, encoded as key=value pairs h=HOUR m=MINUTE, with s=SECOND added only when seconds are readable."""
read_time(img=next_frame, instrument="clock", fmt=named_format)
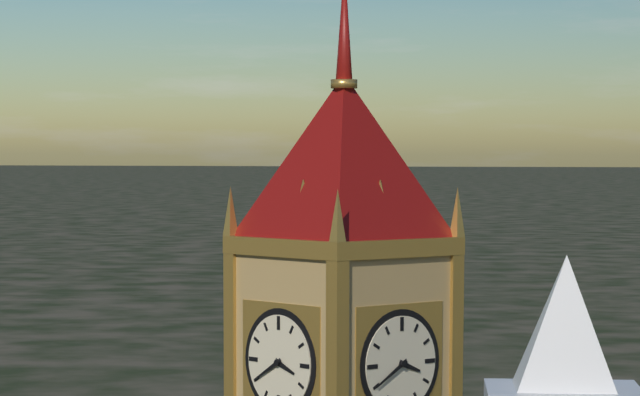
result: h=3 m=40
